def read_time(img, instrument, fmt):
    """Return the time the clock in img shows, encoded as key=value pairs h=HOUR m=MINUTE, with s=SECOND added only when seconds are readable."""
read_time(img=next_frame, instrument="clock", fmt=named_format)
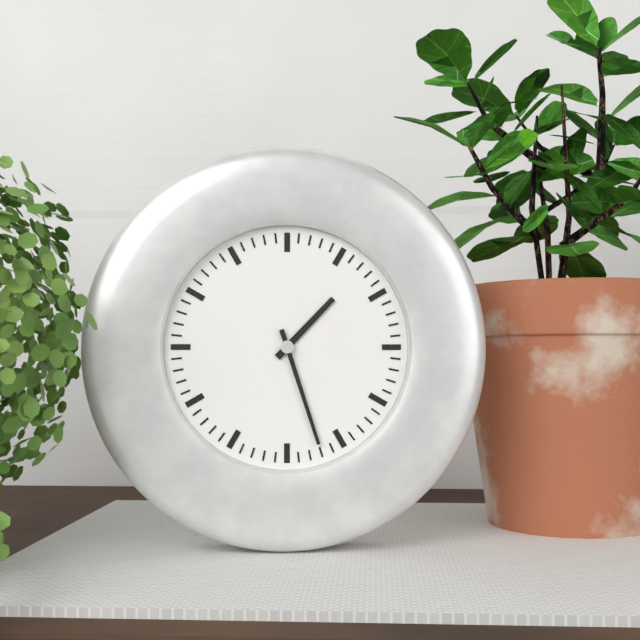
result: h=1 m=27
